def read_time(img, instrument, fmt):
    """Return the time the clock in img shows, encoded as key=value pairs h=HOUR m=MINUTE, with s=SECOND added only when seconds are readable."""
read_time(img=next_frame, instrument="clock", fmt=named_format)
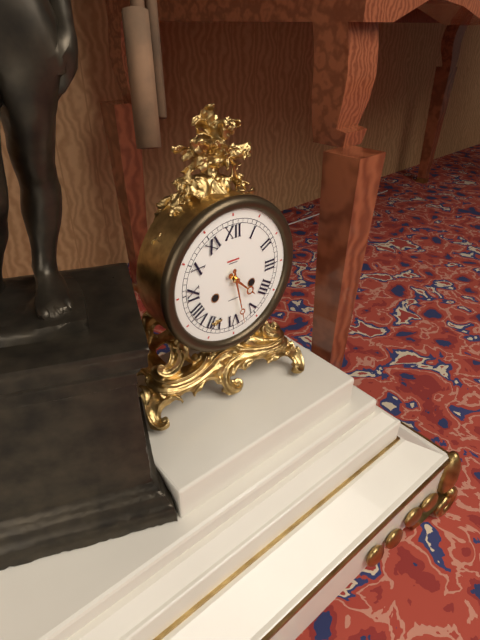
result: h=4 m=28
